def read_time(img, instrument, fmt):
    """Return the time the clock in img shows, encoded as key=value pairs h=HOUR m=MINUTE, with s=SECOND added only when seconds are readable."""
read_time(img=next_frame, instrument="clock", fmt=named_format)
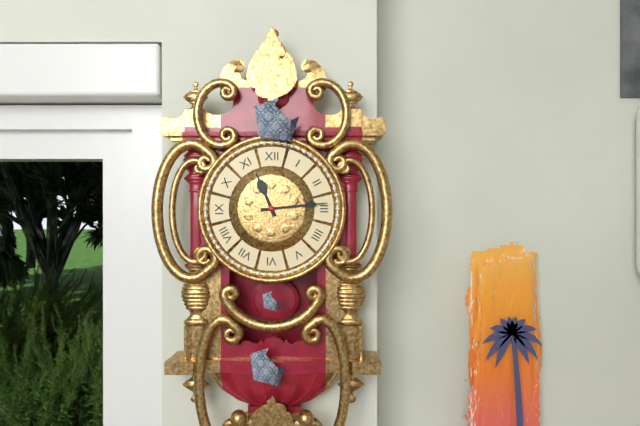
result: h=11 m=14
